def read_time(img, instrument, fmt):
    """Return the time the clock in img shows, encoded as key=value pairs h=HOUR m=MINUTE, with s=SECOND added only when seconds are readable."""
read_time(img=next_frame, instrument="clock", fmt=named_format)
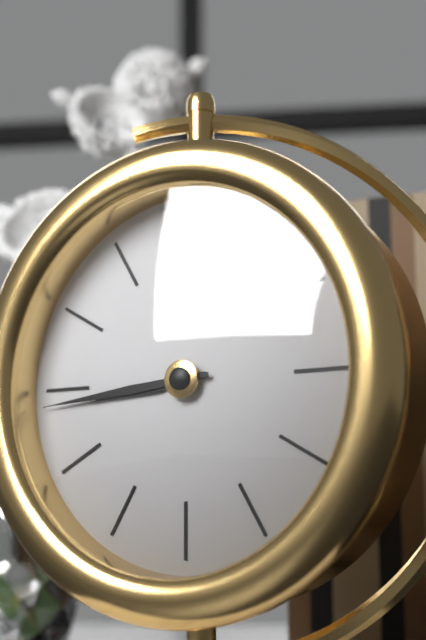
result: h=8 m=44
